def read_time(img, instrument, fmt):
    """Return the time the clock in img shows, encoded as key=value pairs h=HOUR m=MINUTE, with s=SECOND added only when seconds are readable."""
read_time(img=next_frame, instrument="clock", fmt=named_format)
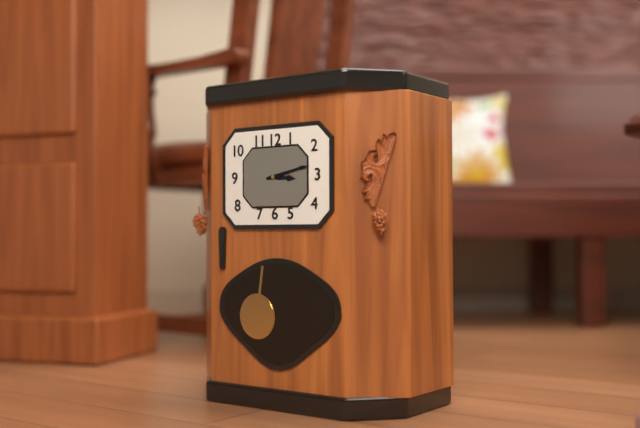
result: h=3 m=13
